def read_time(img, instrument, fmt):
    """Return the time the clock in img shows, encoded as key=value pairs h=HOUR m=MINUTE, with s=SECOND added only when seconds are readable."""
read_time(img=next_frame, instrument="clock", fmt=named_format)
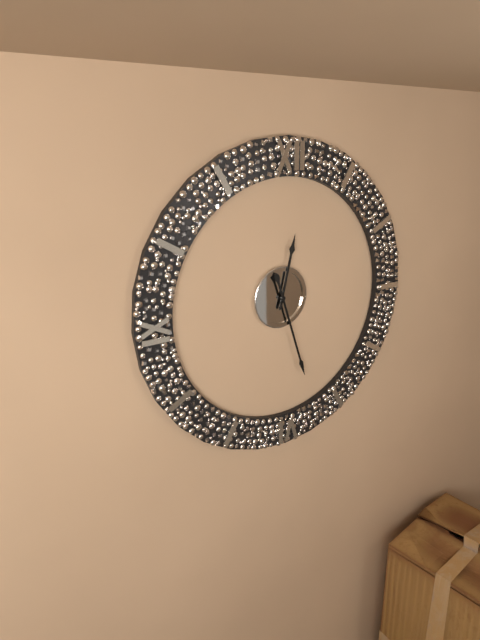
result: h=12 m=27
